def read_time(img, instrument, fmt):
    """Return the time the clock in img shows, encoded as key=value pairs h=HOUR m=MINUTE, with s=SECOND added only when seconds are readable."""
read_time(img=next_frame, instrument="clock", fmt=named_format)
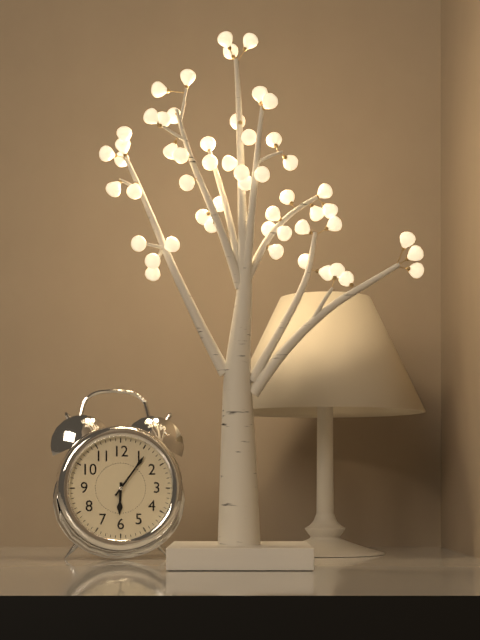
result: h=6 m=6
